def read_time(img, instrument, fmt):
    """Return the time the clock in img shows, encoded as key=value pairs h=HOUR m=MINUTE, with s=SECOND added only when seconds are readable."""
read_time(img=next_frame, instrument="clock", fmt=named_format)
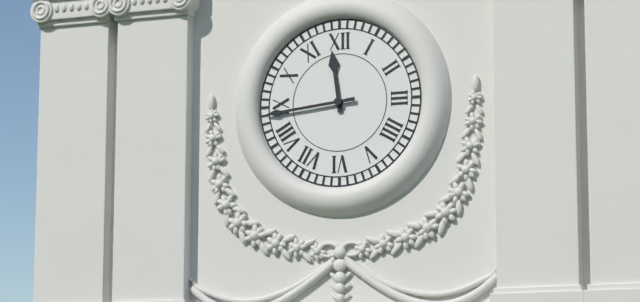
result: h=11 m=44
